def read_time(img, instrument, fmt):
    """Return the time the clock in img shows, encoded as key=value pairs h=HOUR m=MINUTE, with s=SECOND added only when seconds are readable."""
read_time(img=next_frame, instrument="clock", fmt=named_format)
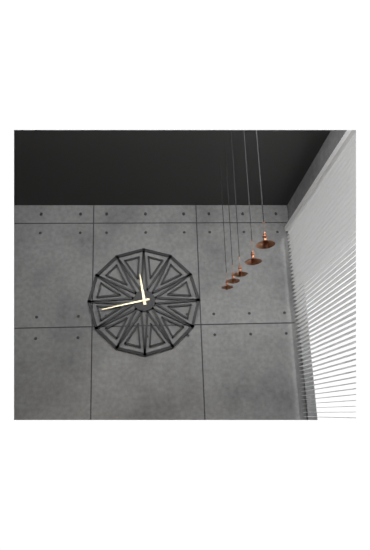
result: h=11 m=43
